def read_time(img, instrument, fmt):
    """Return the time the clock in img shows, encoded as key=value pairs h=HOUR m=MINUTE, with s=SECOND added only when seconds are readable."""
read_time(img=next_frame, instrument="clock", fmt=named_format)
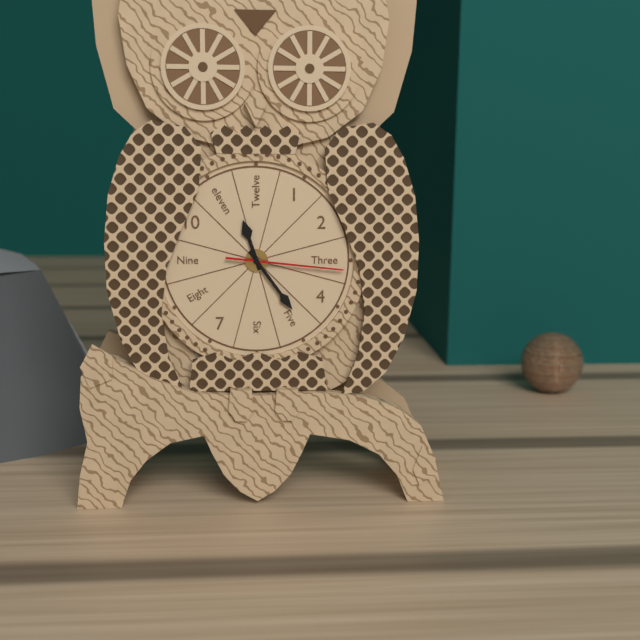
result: h=11 m=24 s=16
